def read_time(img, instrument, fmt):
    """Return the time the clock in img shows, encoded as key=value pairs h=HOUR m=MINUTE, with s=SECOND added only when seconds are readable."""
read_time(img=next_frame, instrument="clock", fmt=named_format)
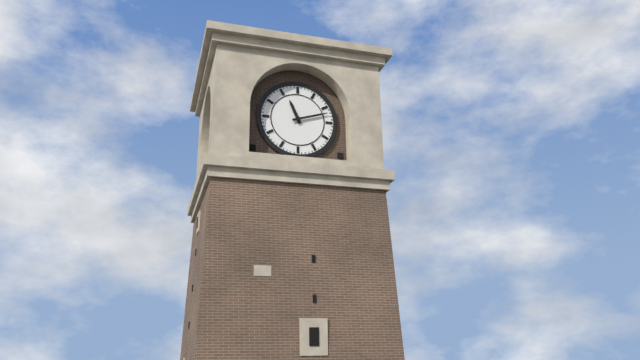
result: h=11 m=12
